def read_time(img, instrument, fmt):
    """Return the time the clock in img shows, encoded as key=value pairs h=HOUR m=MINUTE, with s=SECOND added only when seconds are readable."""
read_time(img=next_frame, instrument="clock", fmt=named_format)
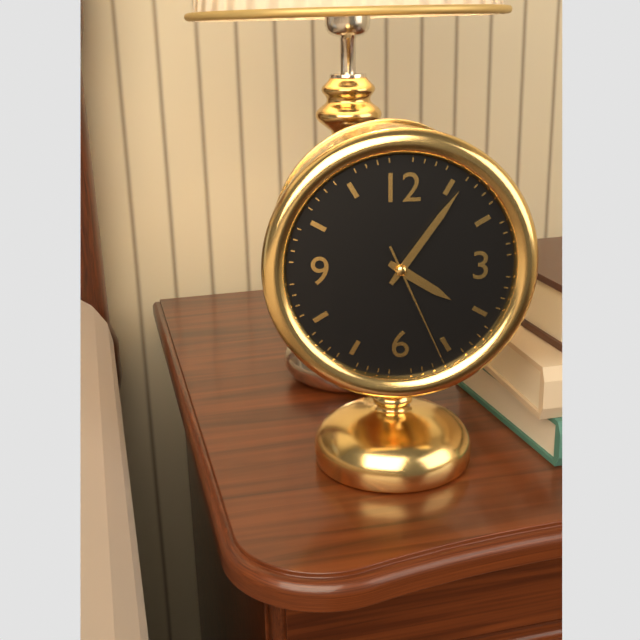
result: h=4 m=6 s=26
